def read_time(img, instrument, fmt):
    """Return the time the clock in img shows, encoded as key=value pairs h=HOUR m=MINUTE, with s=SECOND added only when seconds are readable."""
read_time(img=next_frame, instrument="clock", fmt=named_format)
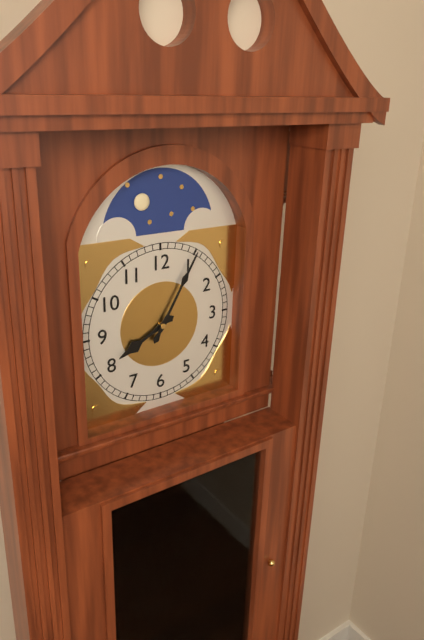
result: h=8 m=5
